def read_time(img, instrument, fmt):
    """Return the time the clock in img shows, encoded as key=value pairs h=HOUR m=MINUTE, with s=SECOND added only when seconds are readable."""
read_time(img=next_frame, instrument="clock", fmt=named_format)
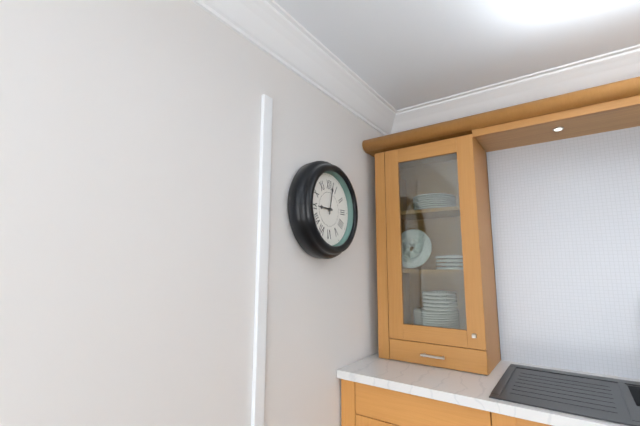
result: h=9 m=2
